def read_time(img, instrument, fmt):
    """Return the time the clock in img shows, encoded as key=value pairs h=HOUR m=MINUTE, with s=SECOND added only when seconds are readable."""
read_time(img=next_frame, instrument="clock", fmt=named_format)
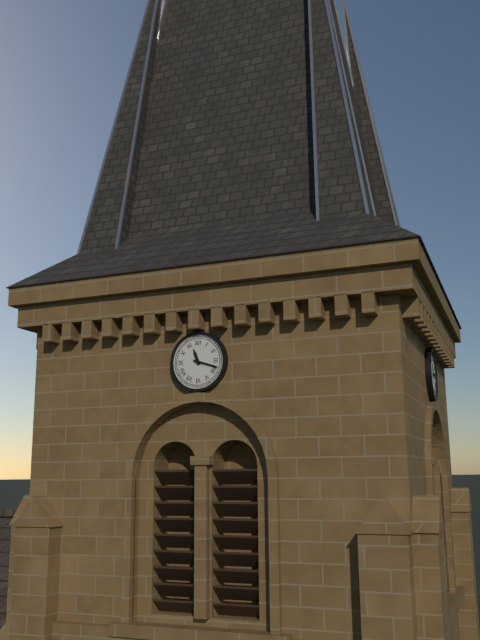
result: h=11 m=18
